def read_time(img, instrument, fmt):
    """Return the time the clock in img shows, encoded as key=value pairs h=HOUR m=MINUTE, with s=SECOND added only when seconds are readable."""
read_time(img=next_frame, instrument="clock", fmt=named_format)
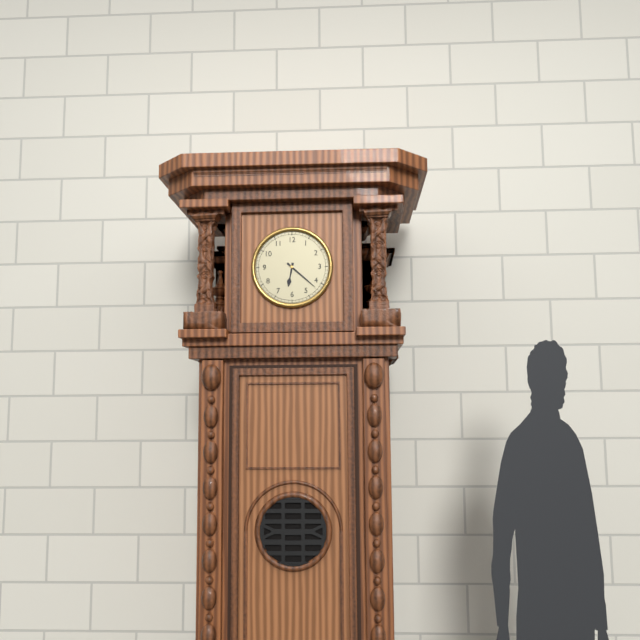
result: h=6 m=22
